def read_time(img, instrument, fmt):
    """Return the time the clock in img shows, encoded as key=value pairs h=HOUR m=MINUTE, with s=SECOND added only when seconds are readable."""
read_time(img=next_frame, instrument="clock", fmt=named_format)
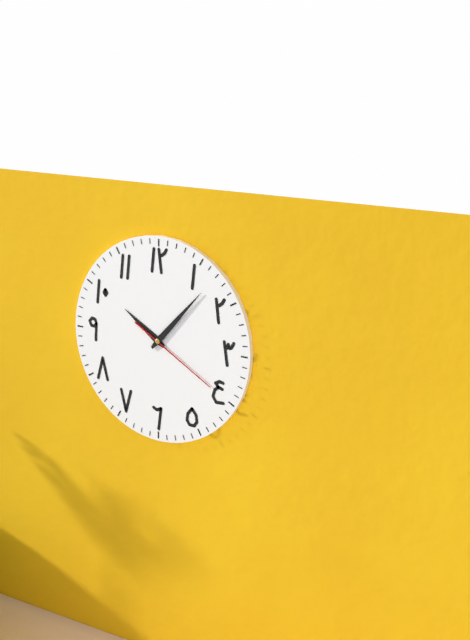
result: h=10 m=7 s=20
